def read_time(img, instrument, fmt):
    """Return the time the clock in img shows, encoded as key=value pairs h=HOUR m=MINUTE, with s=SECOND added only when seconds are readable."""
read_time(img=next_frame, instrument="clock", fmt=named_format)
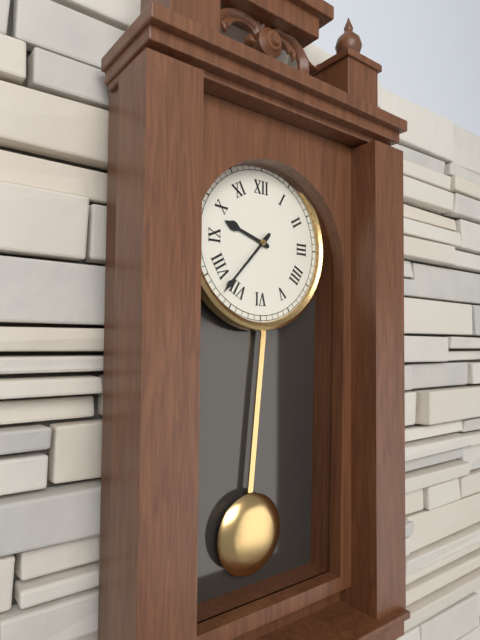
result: h=9 m=37
